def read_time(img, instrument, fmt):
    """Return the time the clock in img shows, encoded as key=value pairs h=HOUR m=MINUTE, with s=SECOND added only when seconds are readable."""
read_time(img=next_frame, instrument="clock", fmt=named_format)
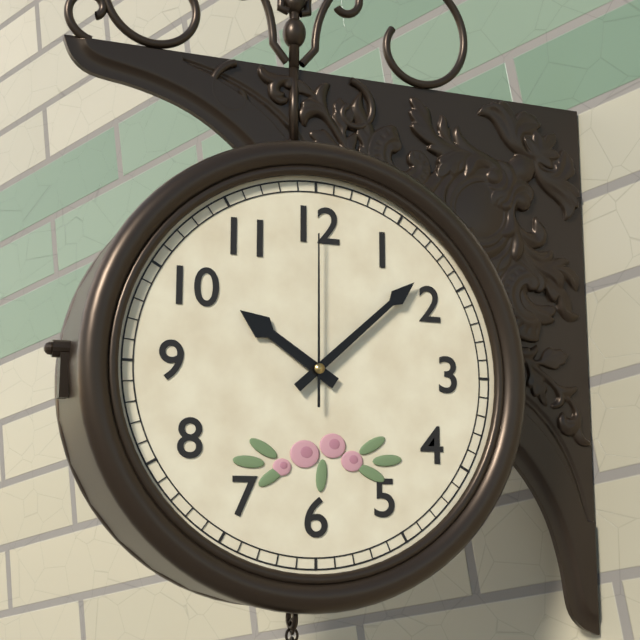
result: h=10 m=8 s=0
